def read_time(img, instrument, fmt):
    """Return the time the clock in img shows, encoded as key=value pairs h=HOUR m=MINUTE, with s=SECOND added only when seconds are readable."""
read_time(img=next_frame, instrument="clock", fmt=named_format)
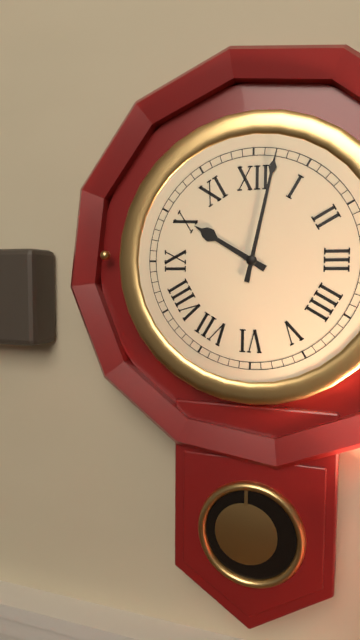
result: h=10 m=2
